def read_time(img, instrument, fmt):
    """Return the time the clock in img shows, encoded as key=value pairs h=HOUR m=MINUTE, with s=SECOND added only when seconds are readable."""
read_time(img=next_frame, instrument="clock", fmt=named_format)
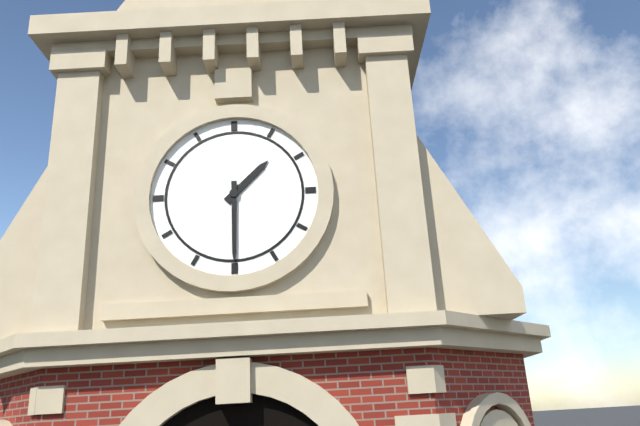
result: h=1 m=30
